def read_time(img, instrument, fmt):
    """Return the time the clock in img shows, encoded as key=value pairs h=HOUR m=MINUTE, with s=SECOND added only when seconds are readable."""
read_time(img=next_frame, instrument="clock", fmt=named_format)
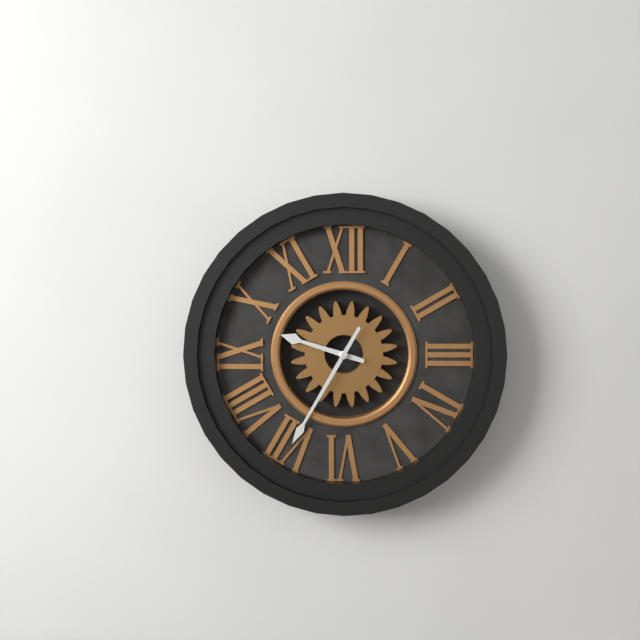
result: h=9 m=35
